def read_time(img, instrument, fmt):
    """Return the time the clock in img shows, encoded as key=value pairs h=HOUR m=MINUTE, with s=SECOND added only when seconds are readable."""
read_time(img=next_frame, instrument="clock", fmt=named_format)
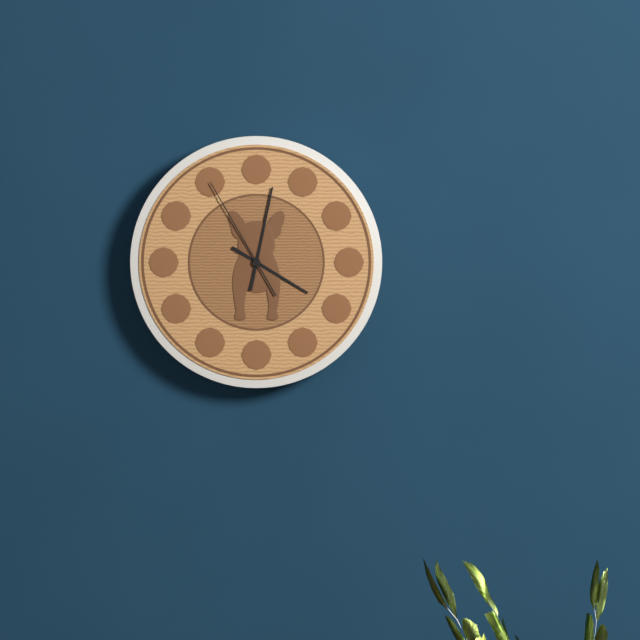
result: h=4 m=2 s=55
